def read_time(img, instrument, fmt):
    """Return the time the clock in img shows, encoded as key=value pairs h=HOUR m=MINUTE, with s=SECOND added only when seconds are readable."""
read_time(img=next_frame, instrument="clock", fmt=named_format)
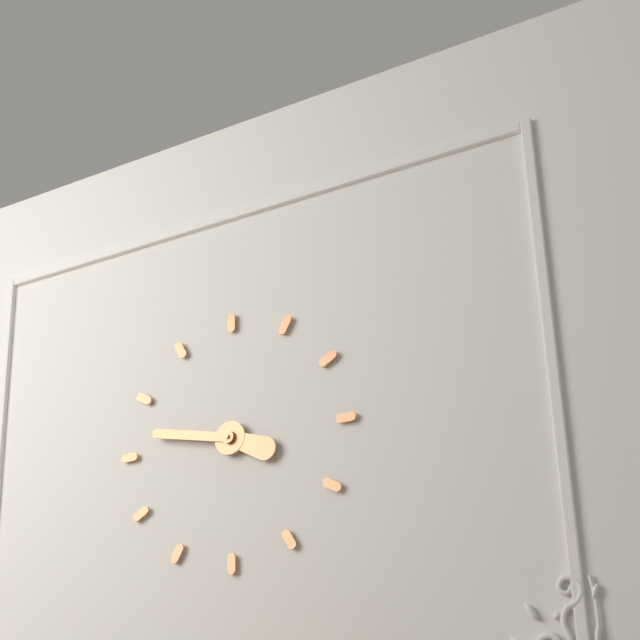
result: h=3 m=47
